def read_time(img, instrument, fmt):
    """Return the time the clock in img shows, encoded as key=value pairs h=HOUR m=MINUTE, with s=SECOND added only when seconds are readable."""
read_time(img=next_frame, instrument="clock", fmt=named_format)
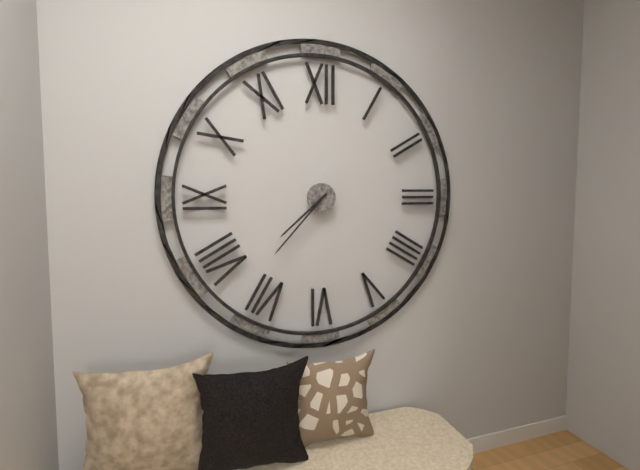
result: h=7 m=37
